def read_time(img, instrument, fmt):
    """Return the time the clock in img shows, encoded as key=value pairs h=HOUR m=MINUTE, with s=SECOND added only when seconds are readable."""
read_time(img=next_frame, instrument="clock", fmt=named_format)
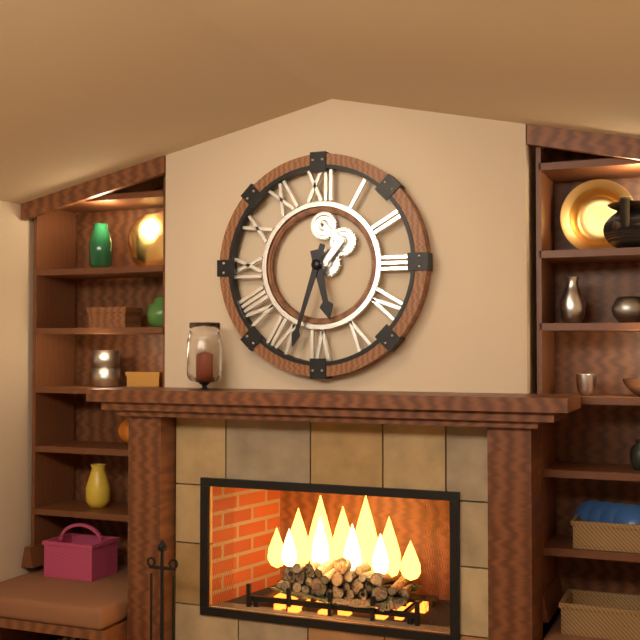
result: h=5 m=33
